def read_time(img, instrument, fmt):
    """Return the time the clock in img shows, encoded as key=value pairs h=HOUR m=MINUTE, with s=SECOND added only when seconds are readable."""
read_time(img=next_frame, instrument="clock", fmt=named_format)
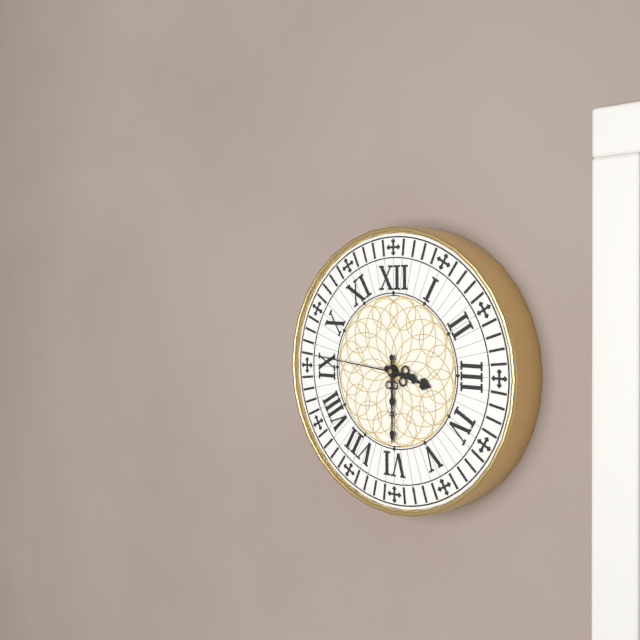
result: h=3 m=30 s=46
